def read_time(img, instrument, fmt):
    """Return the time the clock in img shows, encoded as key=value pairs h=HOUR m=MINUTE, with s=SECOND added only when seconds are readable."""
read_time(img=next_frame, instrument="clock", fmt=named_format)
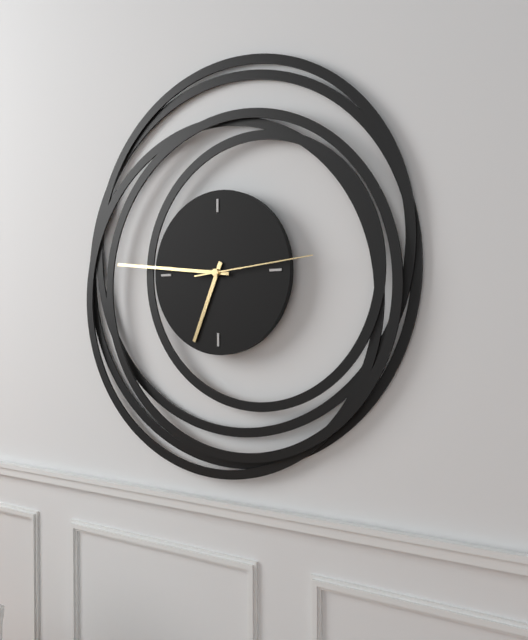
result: h=6 m=46 s=14
